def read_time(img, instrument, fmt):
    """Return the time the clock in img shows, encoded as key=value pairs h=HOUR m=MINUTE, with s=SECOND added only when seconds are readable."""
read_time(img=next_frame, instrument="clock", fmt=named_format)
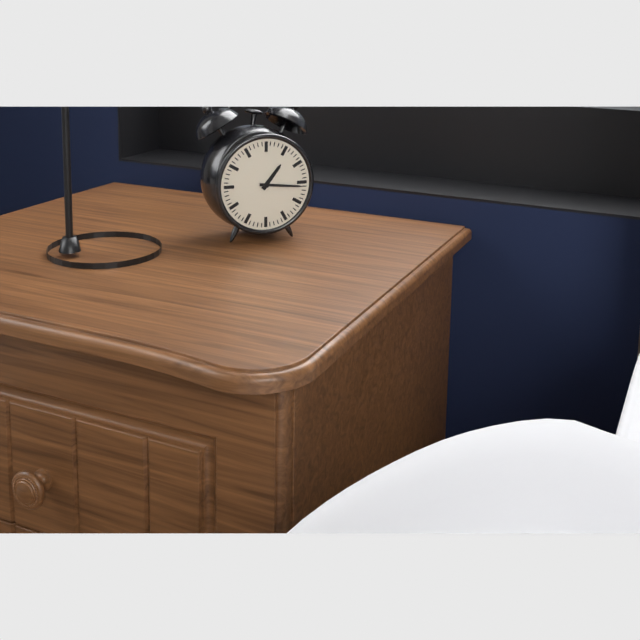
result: h=1 m=16
